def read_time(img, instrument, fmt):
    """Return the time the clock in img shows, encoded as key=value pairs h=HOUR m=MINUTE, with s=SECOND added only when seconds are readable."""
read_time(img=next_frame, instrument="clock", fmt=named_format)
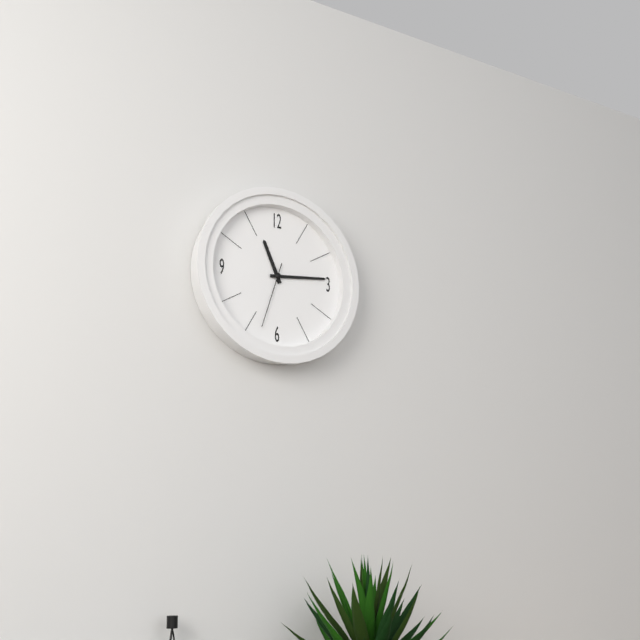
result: h=11 m=14 s=33
